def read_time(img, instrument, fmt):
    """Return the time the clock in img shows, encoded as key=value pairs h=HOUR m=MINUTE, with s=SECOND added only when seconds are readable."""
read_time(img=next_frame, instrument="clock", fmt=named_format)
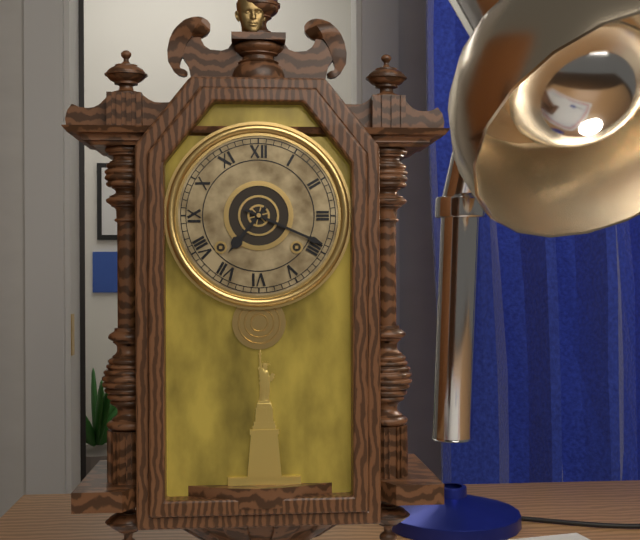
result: h=7 m=19
